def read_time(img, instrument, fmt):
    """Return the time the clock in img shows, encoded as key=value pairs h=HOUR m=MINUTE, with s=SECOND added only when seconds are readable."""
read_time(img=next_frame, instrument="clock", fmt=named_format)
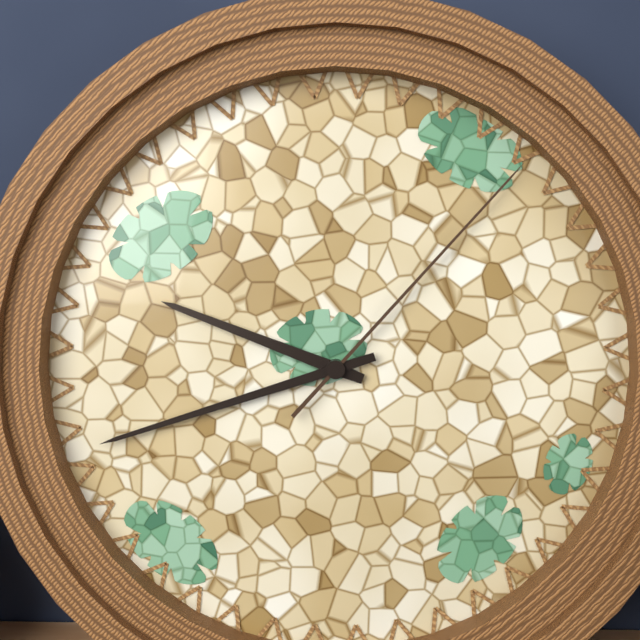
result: h=9 m=42 s=7
